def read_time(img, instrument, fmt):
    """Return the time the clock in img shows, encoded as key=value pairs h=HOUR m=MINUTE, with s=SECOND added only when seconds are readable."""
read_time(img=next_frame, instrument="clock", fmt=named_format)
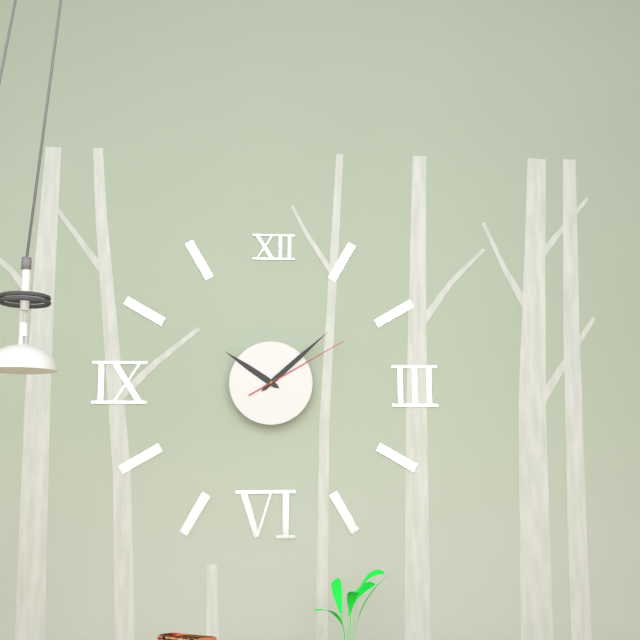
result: h=10 m=8 s=10
